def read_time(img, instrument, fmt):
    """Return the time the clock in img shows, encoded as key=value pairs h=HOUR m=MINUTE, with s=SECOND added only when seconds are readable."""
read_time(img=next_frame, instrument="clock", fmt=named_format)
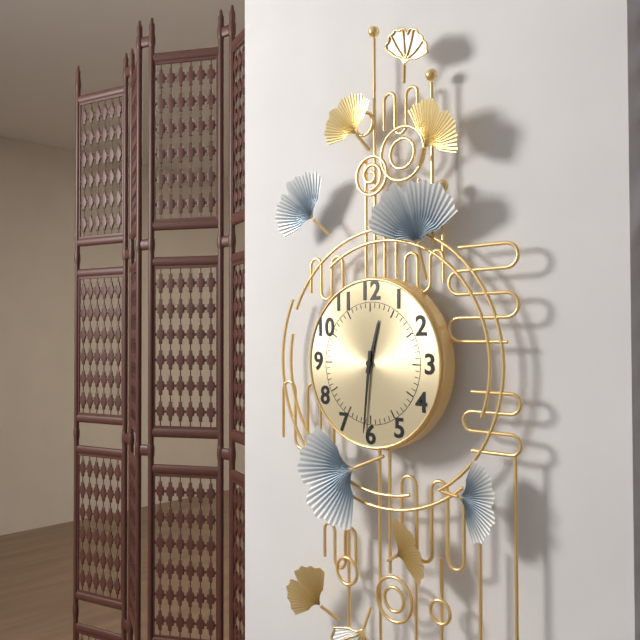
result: h=12 m=31
